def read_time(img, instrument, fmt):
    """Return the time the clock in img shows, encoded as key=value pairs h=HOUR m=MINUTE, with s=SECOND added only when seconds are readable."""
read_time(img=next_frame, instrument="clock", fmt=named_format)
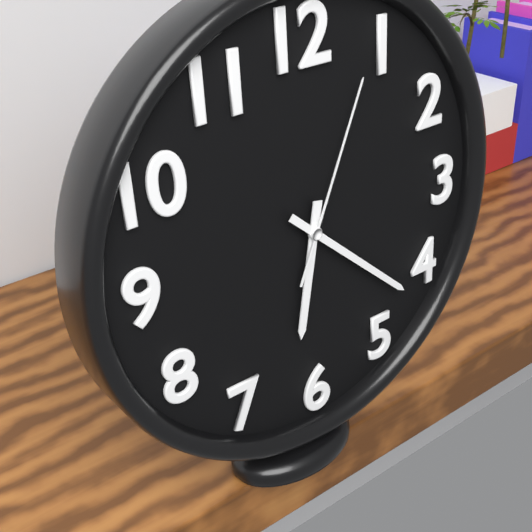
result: h=6 m=22 s=4
